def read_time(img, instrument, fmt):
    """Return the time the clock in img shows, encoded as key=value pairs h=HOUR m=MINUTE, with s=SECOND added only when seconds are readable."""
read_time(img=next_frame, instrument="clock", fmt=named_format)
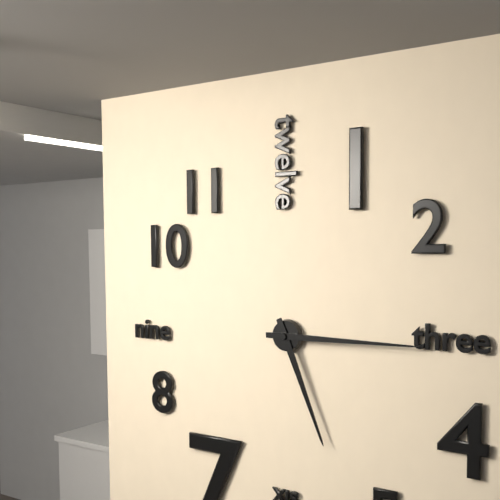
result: h=5 m=15
